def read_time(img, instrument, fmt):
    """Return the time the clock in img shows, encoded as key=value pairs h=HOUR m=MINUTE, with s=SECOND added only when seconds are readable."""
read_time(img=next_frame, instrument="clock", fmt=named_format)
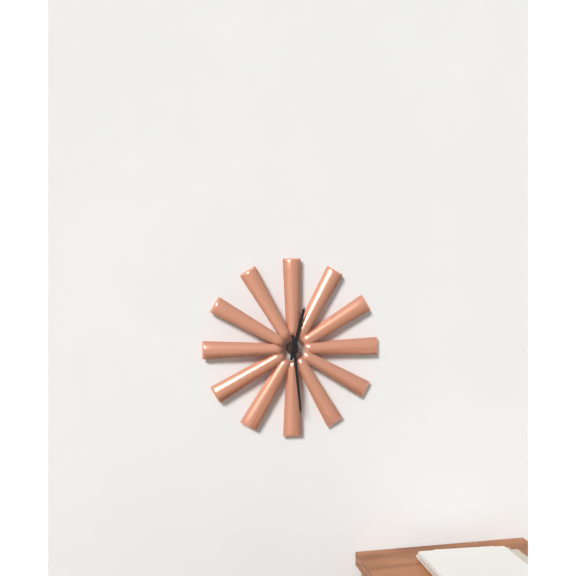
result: h=12 m=29
